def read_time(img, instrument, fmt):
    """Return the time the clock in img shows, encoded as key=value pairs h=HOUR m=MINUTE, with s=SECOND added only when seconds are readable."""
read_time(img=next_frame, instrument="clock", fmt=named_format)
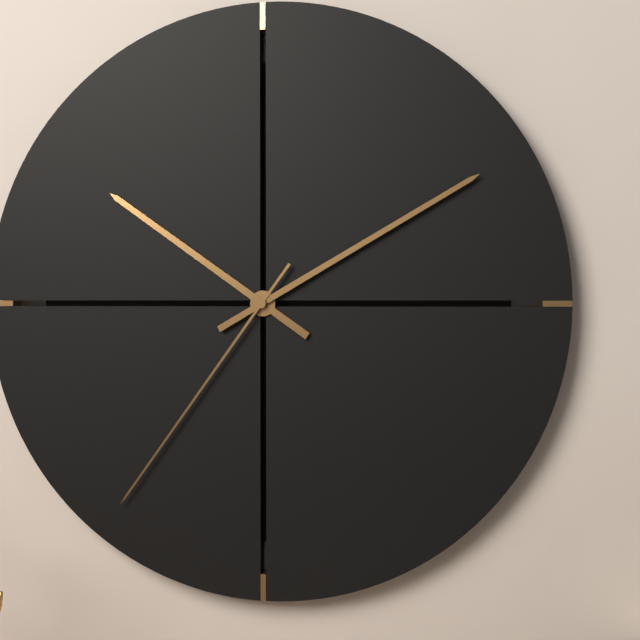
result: h=10 m=10 s=36
